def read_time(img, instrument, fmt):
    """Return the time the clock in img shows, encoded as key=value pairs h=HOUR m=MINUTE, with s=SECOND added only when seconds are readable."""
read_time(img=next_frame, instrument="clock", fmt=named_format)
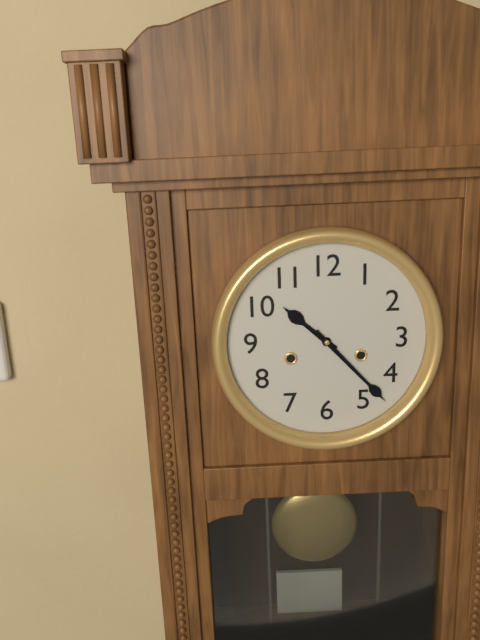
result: h=10 m=23
